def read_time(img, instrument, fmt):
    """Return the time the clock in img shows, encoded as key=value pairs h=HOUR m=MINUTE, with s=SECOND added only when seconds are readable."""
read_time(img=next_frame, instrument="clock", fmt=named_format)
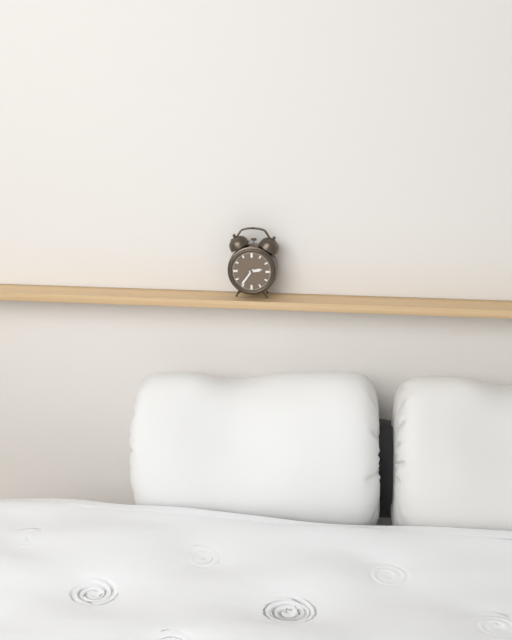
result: h=2 m=36
